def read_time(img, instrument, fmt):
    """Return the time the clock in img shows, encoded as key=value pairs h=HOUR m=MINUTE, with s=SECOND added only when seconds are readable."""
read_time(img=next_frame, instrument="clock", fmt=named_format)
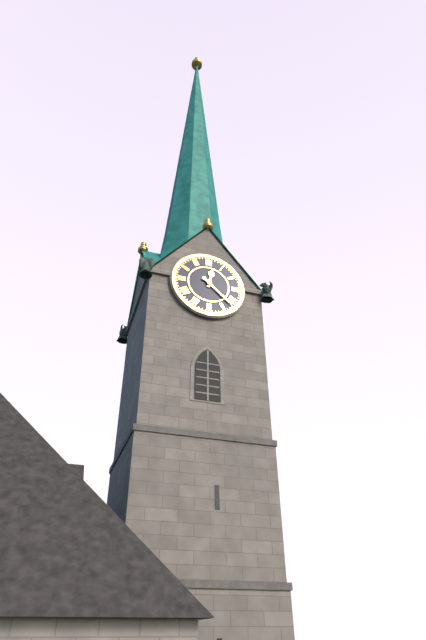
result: h=12 m=22
